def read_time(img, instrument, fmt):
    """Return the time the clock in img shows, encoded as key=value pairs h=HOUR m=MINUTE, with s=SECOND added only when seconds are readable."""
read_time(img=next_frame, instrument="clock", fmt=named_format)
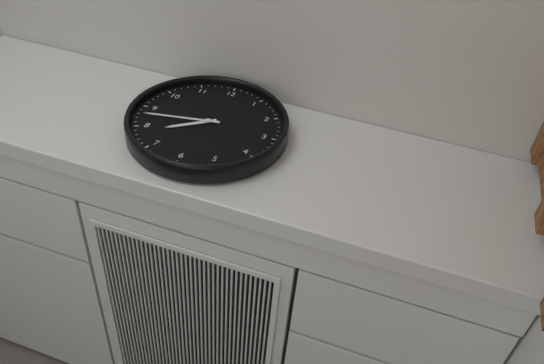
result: h=7 m=43
